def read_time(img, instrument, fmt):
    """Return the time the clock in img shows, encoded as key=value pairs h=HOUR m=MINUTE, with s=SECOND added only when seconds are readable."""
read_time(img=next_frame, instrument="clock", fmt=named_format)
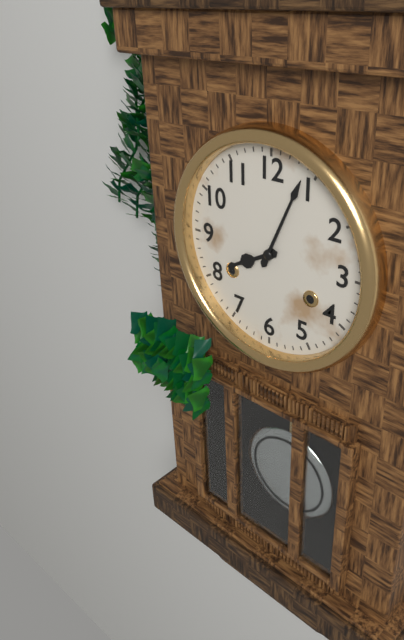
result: h=8 m=4
